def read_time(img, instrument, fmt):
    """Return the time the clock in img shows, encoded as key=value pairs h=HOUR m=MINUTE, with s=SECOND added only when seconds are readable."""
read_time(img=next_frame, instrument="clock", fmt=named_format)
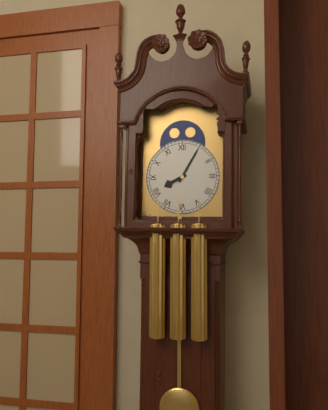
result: h=8 m=5
